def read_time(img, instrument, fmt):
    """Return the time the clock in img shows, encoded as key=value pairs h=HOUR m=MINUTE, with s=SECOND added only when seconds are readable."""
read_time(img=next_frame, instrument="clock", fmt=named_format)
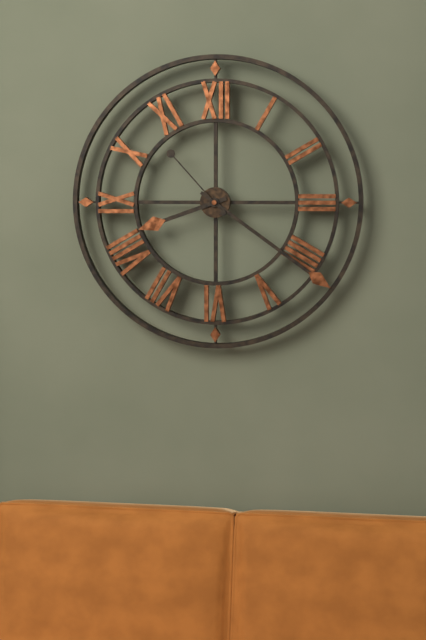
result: h=8 m=21 s=53
